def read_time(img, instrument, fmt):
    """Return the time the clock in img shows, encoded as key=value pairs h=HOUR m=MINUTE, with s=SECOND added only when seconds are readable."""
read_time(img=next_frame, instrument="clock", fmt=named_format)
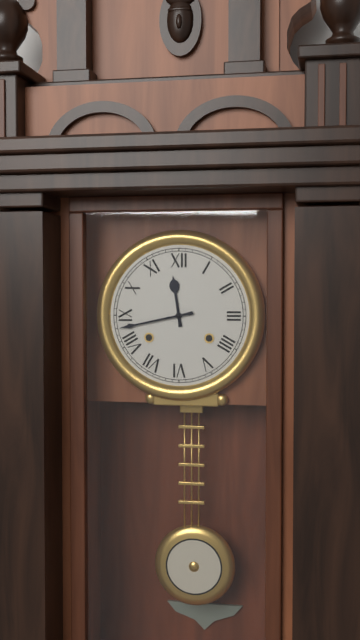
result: h=11 m=43
